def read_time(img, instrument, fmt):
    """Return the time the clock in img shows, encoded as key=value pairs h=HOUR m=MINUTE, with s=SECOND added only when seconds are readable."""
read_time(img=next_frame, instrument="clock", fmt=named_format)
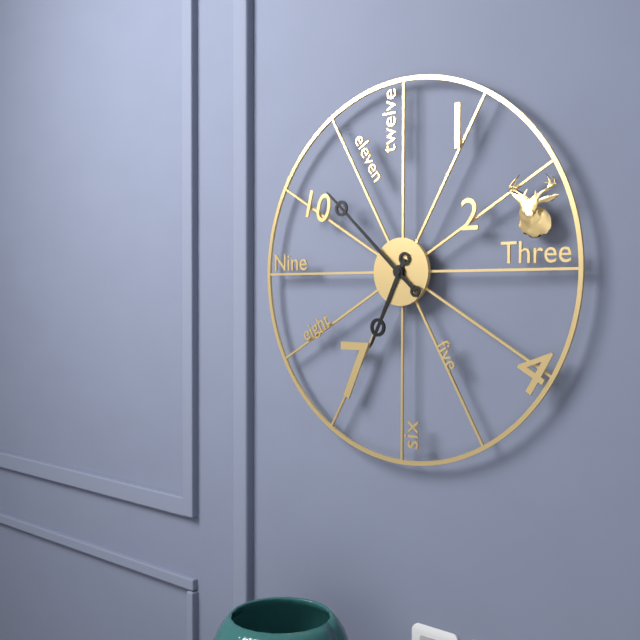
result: h=6 m=52
